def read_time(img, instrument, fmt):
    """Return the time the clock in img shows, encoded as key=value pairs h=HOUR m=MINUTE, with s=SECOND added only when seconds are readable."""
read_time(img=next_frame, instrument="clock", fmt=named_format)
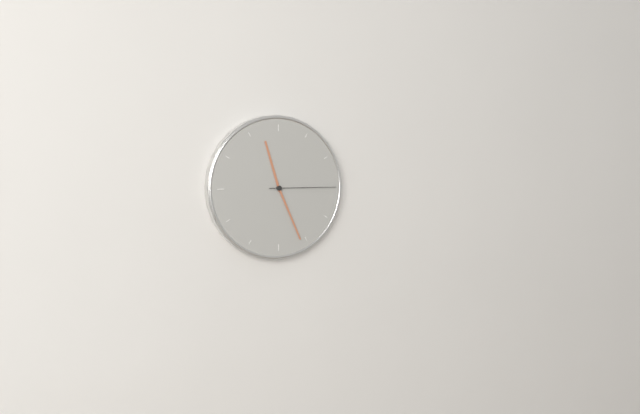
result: h=11 m=26 s=15
